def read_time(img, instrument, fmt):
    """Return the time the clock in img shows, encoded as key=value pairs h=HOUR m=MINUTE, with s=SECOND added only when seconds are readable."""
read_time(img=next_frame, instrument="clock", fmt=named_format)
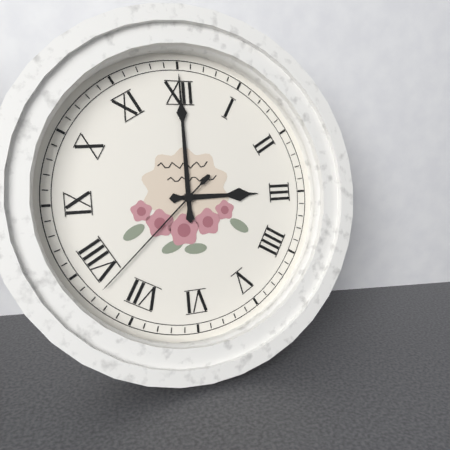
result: h=3 m=0 s=38
